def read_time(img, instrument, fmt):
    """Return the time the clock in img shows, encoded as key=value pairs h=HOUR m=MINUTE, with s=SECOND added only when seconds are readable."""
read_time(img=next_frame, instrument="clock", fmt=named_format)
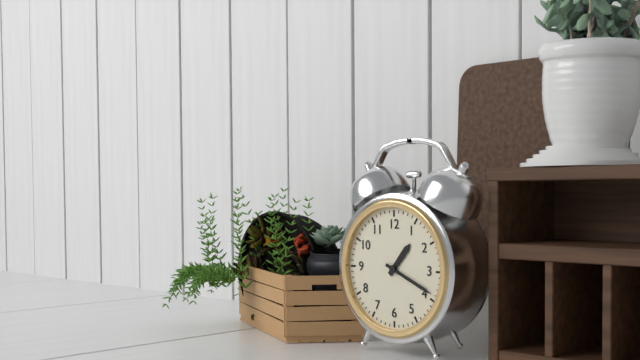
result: h=1 m=19
